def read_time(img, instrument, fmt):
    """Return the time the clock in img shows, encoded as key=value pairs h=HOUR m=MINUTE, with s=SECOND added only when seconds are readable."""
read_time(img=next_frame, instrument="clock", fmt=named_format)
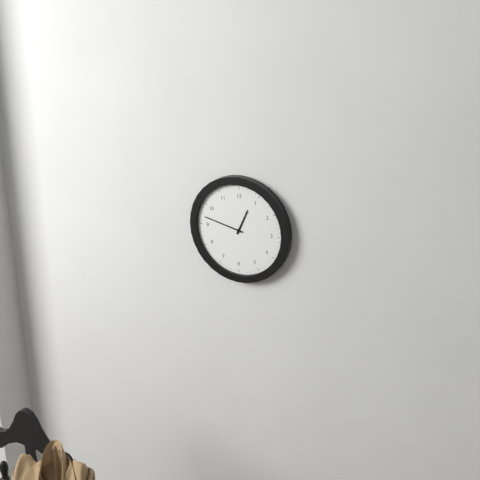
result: h=12 m=47
